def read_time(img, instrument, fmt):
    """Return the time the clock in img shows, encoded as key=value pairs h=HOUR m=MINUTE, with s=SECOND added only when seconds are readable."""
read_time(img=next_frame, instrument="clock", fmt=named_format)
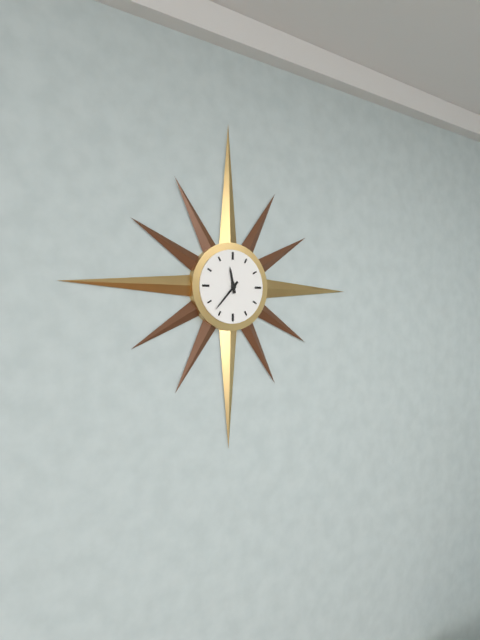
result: h=11 m=37
